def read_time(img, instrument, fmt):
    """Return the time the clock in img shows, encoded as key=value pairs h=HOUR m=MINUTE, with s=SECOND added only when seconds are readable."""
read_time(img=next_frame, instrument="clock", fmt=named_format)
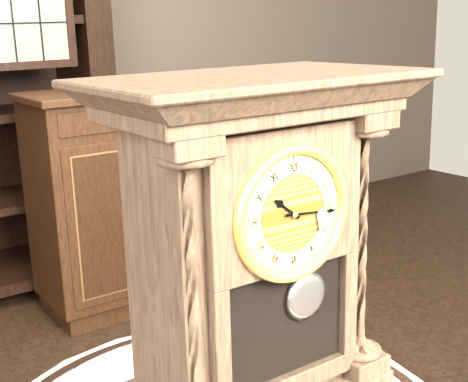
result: h=10 m=16
